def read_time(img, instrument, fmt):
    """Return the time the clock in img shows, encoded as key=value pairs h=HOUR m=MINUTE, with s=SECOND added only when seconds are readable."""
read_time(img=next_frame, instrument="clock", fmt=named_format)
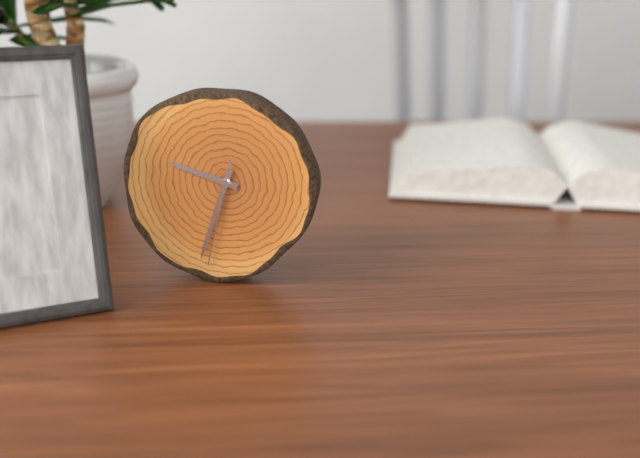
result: h=9 m=33 s=32
